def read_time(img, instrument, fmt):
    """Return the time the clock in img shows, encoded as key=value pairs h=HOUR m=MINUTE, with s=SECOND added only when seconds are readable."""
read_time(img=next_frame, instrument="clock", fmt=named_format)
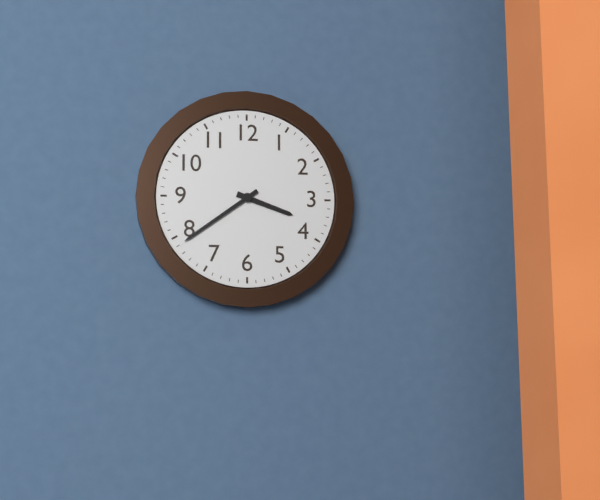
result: h=3 m=39
